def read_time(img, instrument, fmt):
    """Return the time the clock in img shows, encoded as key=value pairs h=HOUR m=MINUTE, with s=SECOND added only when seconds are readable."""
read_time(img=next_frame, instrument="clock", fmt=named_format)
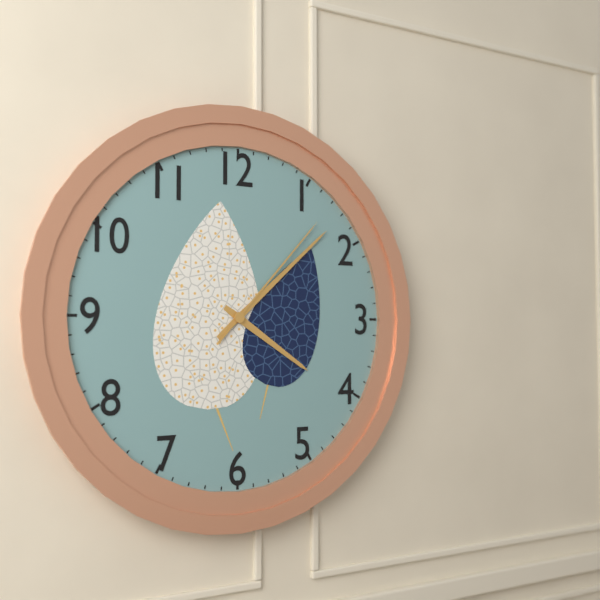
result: h=4 m=8 s=7
